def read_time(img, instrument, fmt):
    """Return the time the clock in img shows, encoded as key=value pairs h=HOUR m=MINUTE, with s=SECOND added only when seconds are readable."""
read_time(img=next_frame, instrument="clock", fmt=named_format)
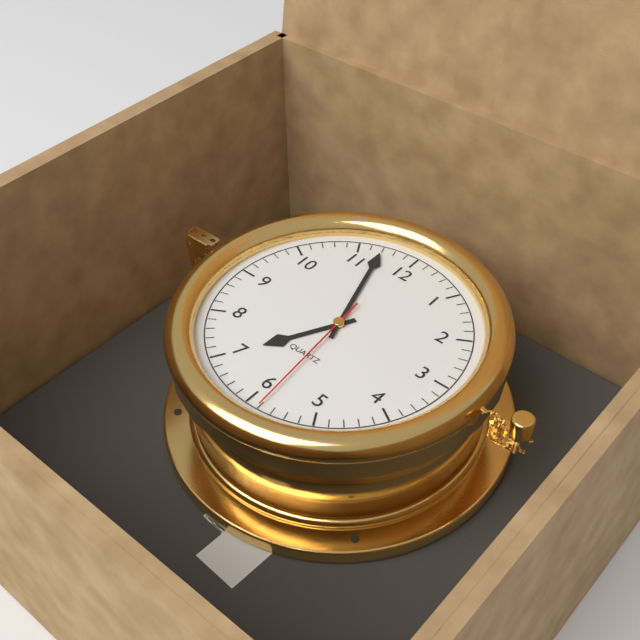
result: h=6 m=57 s=29
